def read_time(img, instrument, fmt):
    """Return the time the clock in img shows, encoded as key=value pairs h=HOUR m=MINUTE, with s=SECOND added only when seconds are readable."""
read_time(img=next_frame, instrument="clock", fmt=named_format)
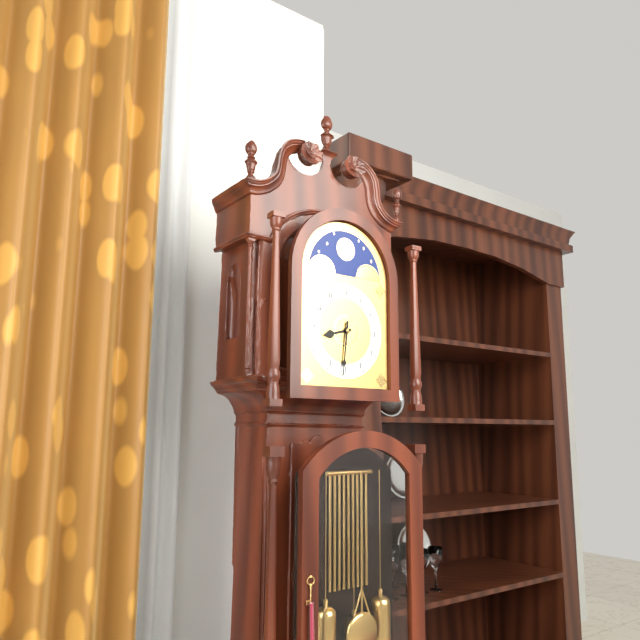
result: h=8 m=31
